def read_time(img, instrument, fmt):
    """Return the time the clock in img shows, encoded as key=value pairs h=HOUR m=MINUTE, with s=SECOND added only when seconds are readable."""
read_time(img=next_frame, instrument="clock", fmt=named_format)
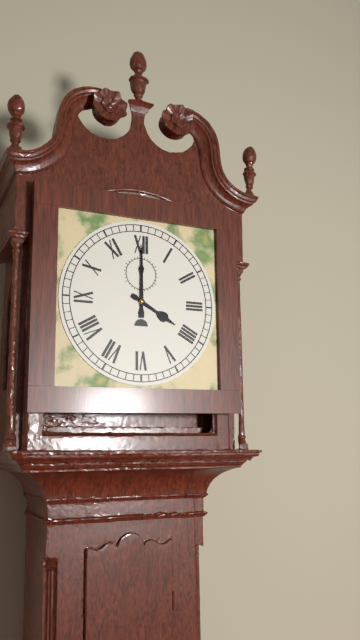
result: h=4 m=0
